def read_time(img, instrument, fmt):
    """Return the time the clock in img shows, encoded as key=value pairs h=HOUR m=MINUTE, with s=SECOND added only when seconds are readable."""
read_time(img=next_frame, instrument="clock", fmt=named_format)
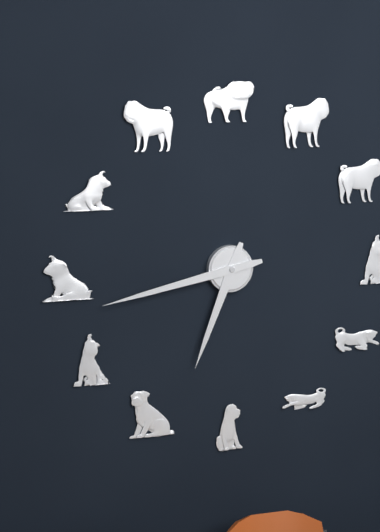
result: h=6 m=43
